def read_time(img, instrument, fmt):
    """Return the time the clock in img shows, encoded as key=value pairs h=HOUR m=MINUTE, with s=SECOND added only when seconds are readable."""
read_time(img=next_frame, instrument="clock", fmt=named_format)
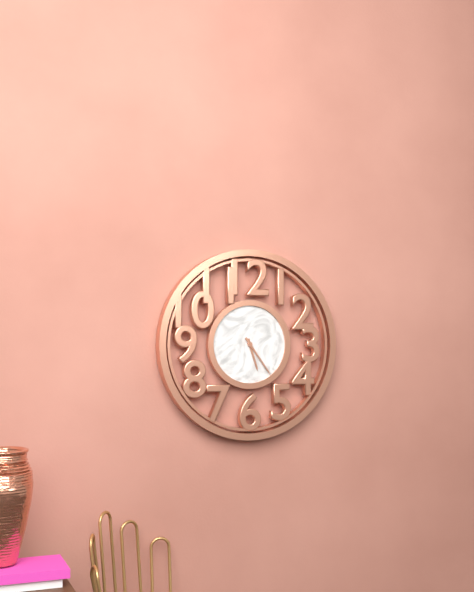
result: h=5 m=24
